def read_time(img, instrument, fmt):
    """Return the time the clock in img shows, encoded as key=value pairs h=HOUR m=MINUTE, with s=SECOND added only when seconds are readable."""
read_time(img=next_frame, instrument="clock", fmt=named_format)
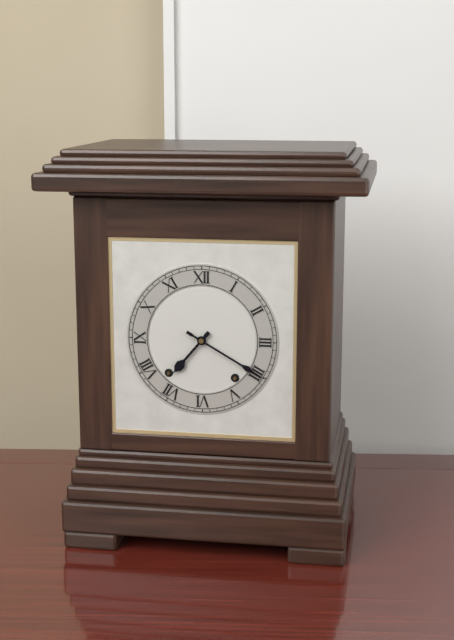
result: h=7 m=20
